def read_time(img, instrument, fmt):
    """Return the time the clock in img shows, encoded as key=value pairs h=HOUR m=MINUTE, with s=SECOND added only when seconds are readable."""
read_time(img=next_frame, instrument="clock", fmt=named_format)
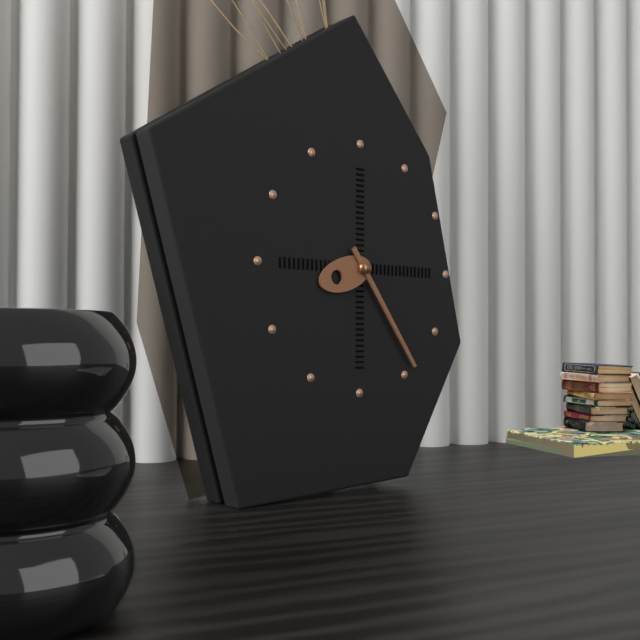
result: h=8 m=24
